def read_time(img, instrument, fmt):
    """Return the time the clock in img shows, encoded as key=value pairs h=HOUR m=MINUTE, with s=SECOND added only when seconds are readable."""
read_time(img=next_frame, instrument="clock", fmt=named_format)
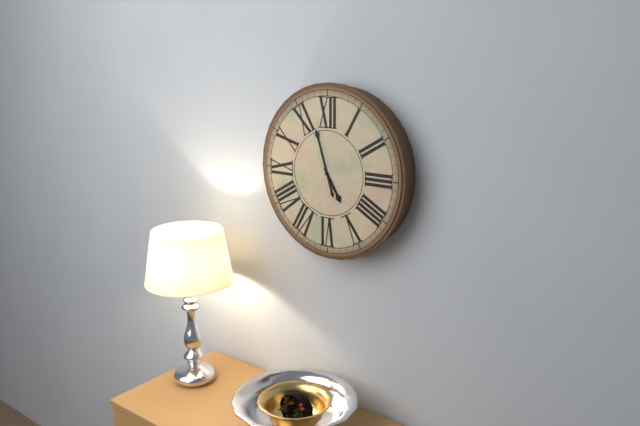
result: h=4 m=57
